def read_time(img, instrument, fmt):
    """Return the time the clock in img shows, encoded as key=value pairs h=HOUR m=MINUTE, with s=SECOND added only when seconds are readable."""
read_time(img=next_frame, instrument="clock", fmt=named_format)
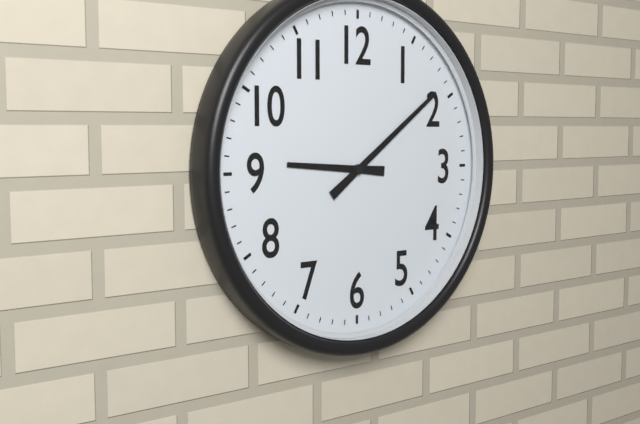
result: h=9 m=9
